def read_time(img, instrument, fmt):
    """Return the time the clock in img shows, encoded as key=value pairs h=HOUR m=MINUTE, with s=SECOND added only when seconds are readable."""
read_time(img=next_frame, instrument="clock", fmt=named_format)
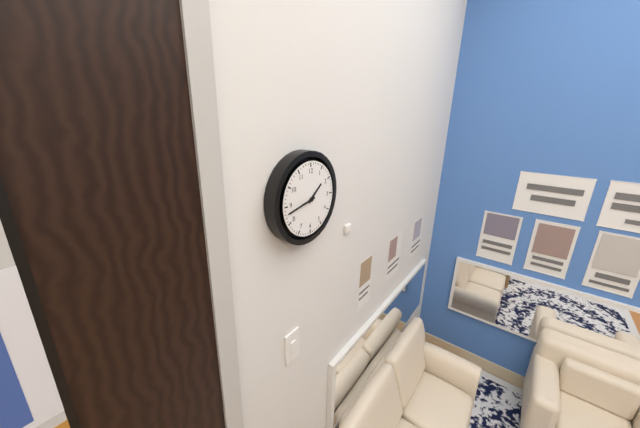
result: h=1 m=43
